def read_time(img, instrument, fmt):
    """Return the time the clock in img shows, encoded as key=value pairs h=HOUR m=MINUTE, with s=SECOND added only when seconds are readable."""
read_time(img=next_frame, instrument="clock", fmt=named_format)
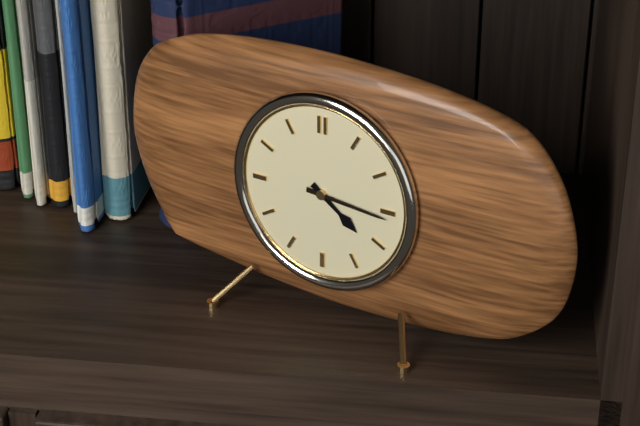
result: h=4 m=16
